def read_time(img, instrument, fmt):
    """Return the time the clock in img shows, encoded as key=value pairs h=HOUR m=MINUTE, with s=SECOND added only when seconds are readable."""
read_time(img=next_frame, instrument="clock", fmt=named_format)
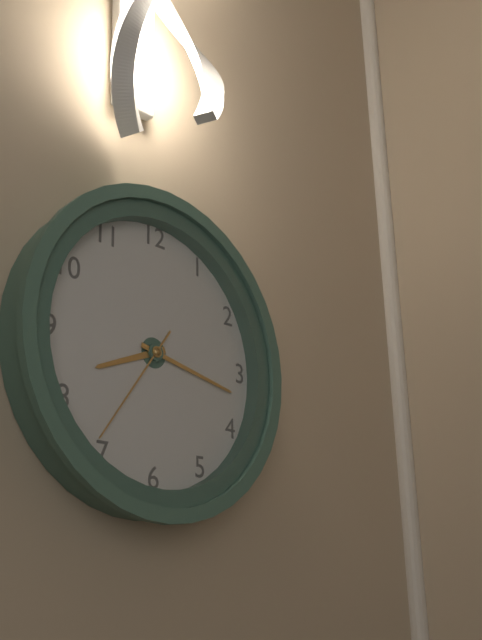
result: h=8 m=17 s=36
